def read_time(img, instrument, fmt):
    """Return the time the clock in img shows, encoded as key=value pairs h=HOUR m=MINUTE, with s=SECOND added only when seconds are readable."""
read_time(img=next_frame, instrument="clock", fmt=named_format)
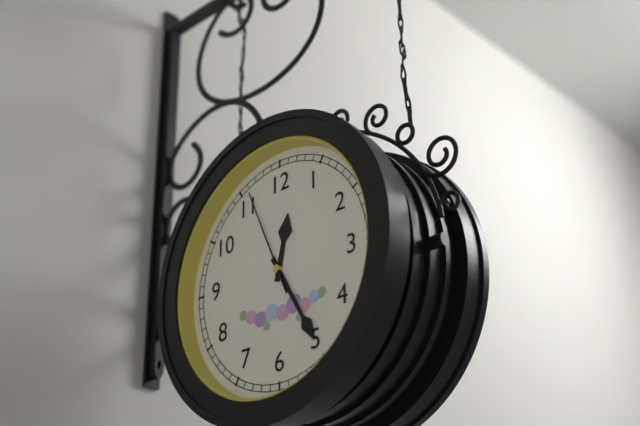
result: h=12 m=25 s=56
